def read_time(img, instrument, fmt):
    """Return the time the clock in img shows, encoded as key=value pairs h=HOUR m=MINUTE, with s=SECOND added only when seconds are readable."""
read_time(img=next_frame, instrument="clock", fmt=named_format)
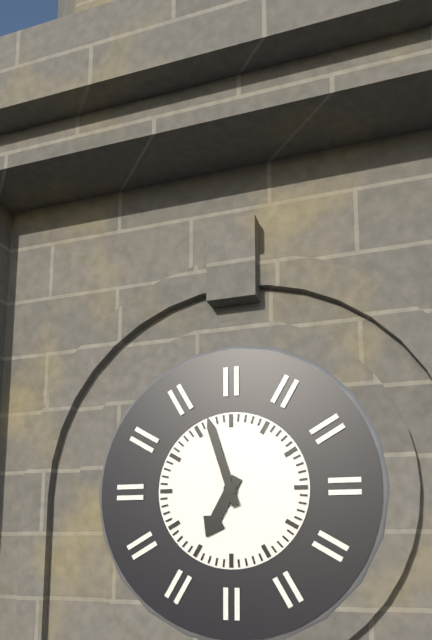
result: h=6 m=57
